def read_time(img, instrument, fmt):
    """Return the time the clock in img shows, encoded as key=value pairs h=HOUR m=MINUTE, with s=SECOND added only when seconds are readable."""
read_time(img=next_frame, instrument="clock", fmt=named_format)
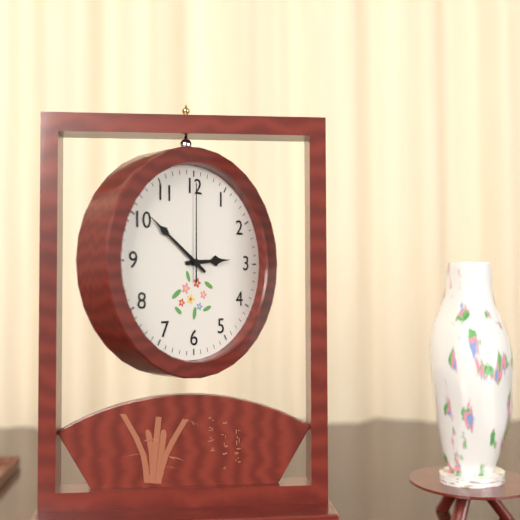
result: h=2 m=51 s=0
